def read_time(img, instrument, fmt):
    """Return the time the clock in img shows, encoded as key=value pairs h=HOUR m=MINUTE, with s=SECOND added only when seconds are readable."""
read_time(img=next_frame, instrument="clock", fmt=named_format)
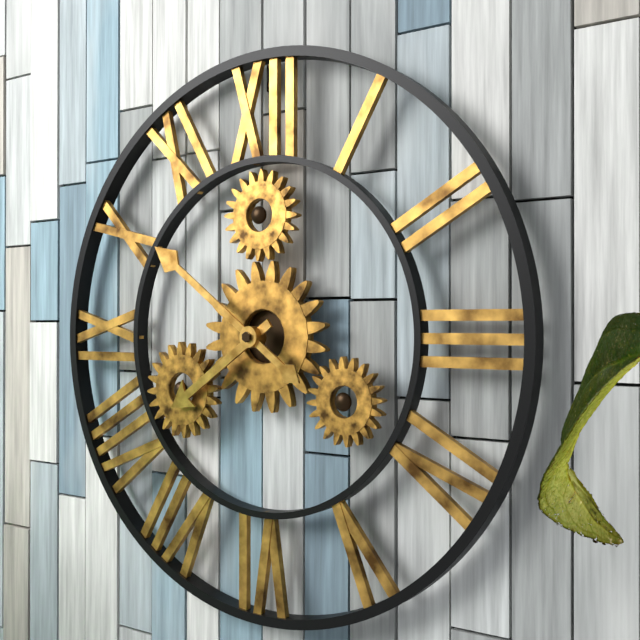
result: h=7 m=51
